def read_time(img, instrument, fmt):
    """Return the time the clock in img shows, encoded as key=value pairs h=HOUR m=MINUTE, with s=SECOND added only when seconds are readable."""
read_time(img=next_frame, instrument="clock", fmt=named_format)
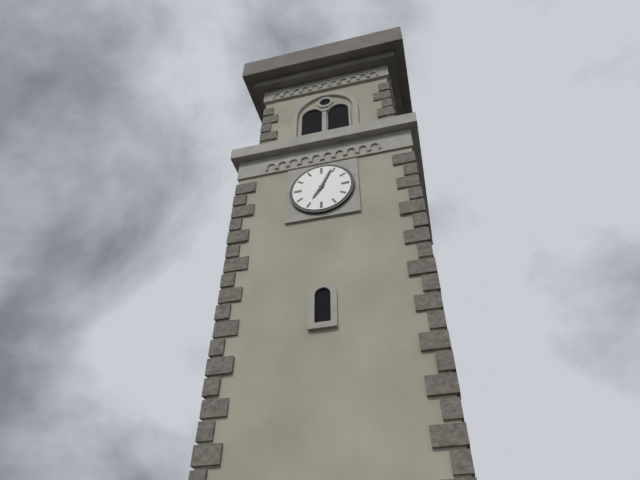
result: h=7 m=4
